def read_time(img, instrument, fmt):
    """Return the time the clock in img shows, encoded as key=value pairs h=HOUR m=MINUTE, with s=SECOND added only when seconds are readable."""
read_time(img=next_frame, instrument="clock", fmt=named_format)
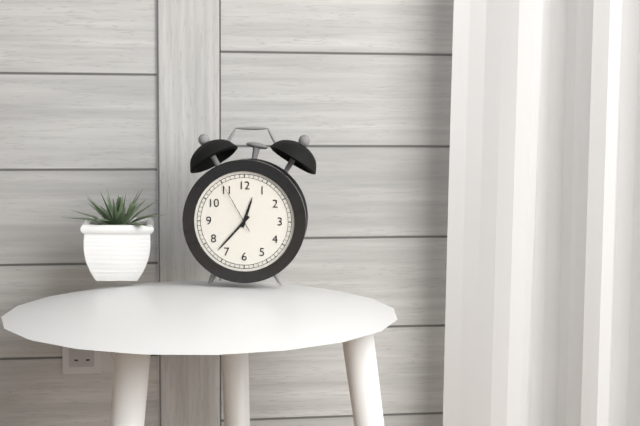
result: h=12 m=37 s=55
